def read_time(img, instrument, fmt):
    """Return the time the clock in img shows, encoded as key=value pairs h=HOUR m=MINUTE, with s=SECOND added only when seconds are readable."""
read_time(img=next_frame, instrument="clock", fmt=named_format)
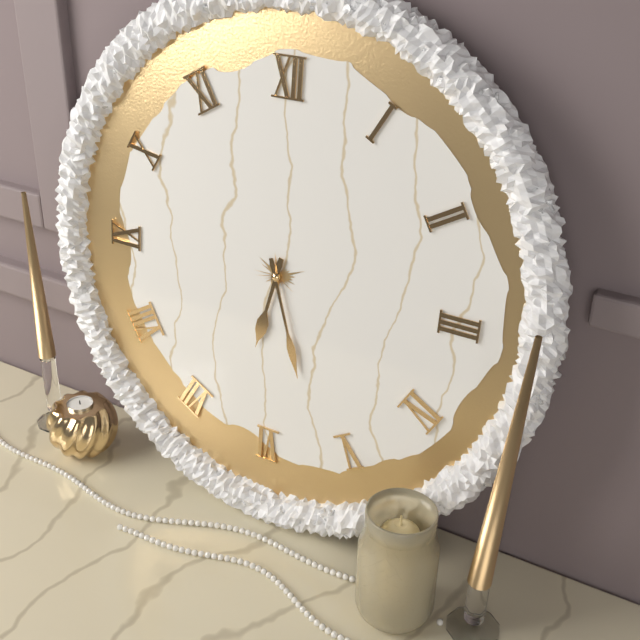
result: h=6 m=27
